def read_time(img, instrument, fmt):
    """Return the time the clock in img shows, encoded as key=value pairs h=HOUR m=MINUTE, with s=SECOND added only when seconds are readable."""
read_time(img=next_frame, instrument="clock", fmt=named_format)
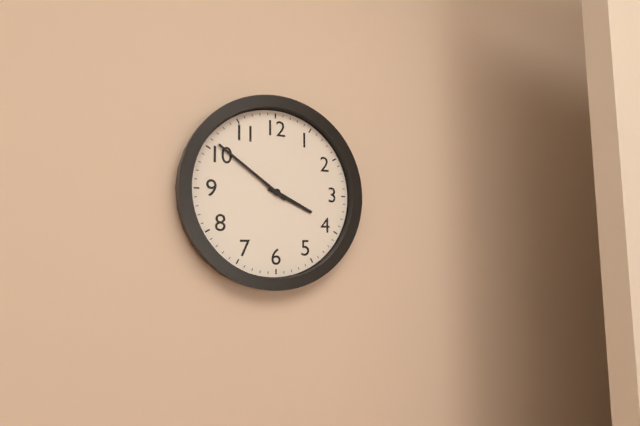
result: h=3 m=51
